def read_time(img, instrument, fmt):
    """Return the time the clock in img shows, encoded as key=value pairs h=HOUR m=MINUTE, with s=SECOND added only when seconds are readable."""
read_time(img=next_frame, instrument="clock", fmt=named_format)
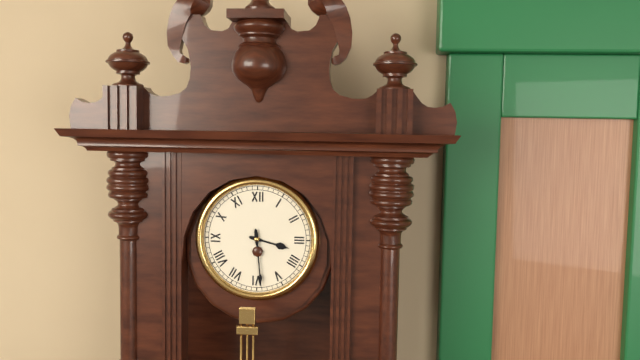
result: h=3 m=29
